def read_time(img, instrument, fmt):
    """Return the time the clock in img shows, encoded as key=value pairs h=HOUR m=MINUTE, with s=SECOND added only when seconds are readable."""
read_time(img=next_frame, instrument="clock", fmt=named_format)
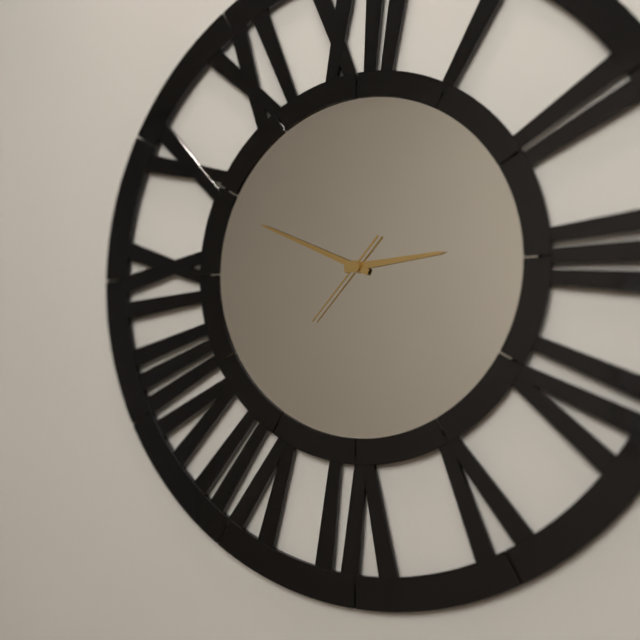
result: h=2 m=49 s=37
